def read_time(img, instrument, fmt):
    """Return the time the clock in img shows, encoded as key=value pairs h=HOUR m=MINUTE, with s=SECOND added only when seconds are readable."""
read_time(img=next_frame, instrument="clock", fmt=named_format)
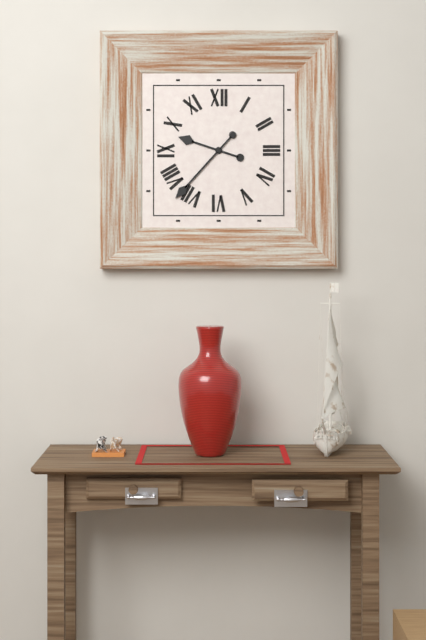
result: h=9 m=37
